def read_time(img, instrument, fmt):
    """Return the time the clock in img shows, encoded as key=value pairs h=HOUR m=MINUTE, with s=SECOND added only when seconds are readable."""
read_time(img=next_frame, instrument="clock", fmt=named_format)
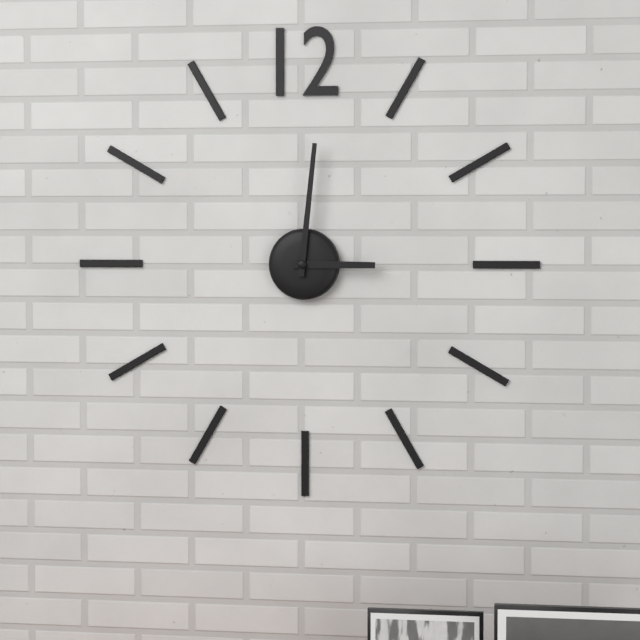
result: h=3 m=1
